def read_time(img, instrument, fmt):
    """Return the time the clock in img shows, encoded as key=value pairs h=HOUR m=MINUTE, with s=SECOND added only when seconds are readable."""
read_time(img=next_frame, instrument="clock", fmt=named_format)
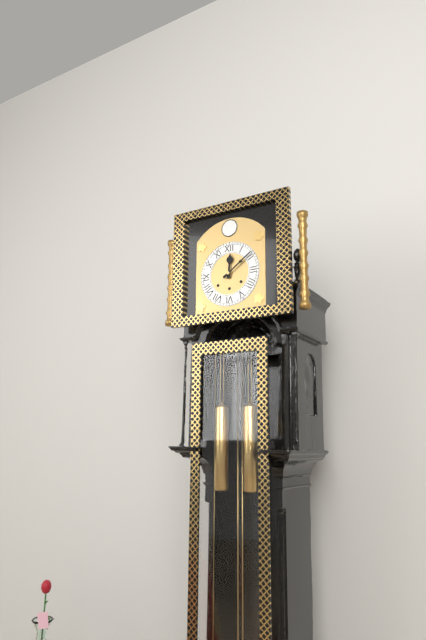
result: h=12 m=9
